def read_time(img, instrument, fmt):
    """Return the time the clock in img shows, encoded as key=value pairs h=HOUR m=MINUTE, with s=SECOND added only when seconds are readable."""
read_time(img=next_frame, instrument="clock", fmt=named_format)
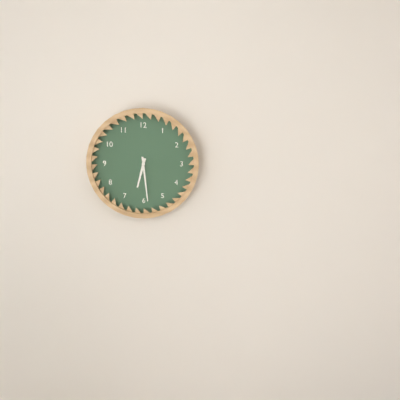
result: h=6 m=29
